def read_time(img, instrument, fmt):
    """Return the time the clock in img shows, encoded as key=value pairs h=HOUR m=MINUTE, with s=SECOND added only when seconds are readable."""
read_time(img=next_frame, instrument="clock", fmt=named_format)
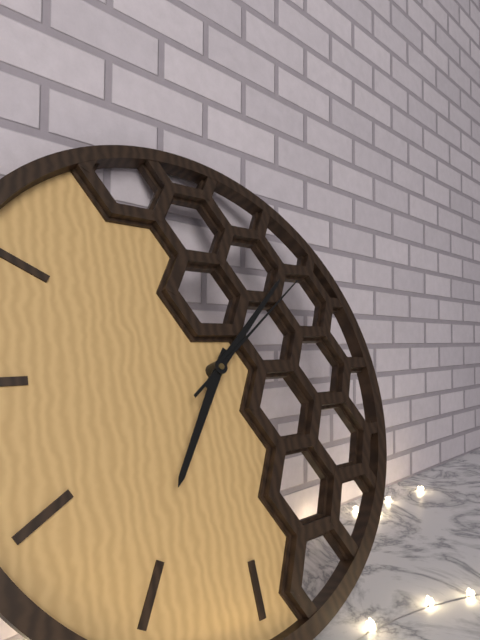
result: h=7 m=8 s=9
